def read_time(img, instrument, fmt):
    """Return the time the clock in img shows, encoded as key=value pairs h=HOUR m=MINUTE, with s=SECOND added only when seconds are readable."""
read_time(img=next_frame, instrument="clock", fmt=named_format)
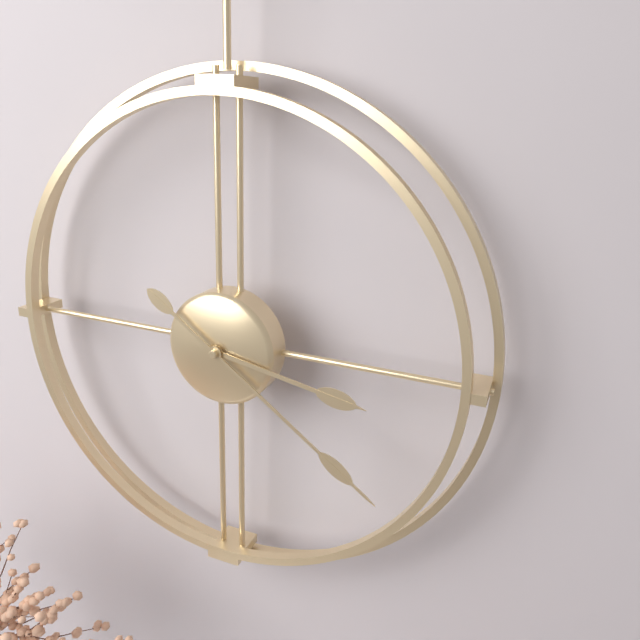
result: h=3 m=21
